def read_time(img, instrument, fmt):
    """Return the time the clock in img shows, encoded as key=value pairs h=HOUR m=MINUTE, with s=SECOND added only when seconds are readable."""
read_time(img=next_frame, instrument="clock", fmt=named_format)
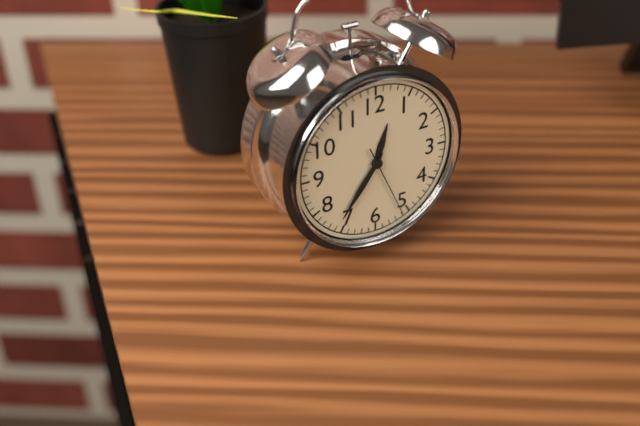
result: h=12 m=36 s=26
